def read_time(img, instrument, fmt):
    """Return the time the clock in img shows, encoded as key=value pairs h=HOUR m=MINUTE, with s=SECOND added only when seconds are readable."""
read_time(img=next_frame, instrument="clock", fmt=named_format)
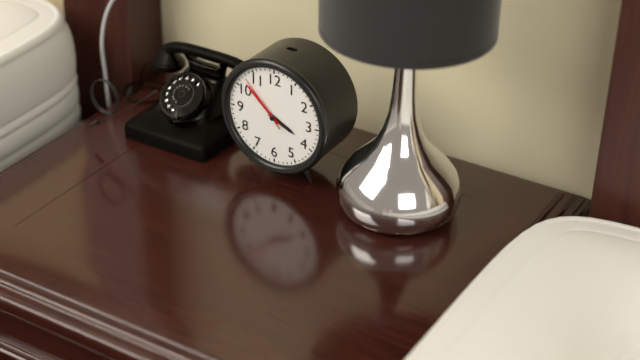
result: h=3 m=52 s=53
